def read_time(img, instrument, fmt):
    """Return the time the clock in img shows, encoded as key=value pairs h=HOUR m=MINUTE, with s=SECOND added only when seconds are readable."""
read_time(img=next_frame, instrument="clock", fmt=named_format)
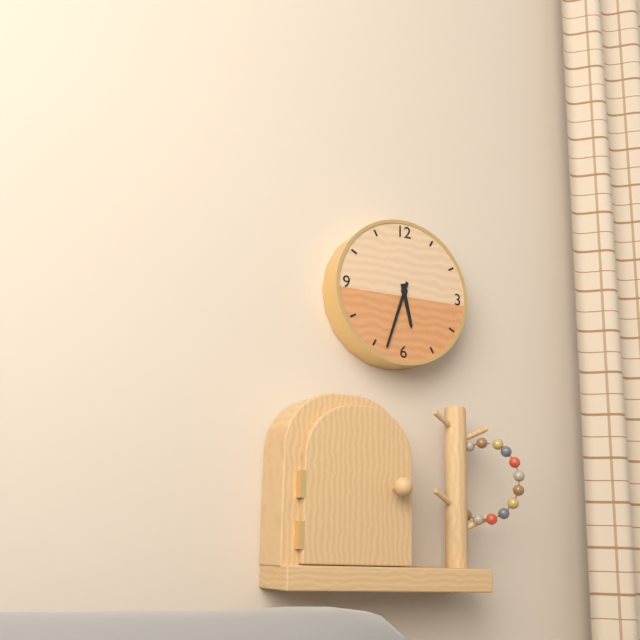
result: h=5 m=33
